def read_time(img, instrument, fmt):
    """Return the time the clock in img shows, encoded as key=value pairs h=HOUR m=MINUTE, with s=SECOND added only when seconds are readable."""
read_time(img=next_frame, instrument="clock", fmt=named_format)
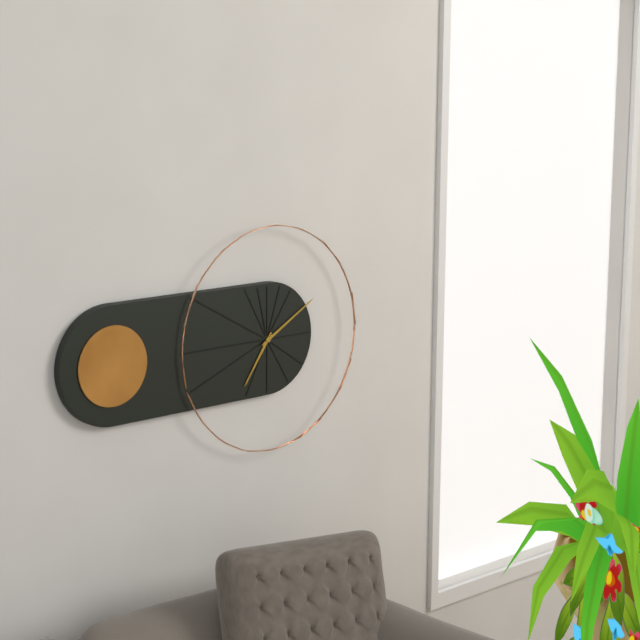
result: h=7 m=10
